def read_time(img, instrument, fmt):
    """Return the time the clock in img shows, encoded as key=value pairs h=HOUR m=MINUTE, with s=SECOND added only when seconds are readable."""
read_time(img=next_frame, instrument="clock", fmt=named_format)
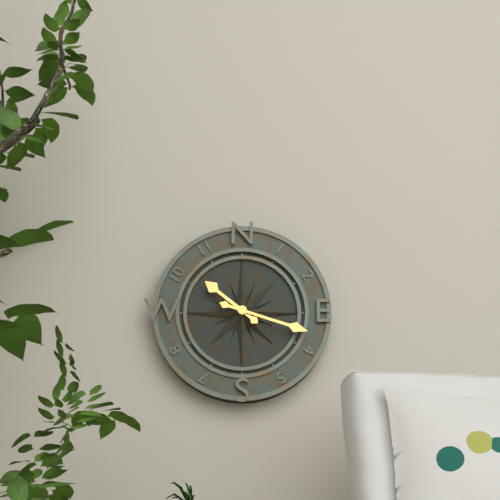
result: h=10 m=18
